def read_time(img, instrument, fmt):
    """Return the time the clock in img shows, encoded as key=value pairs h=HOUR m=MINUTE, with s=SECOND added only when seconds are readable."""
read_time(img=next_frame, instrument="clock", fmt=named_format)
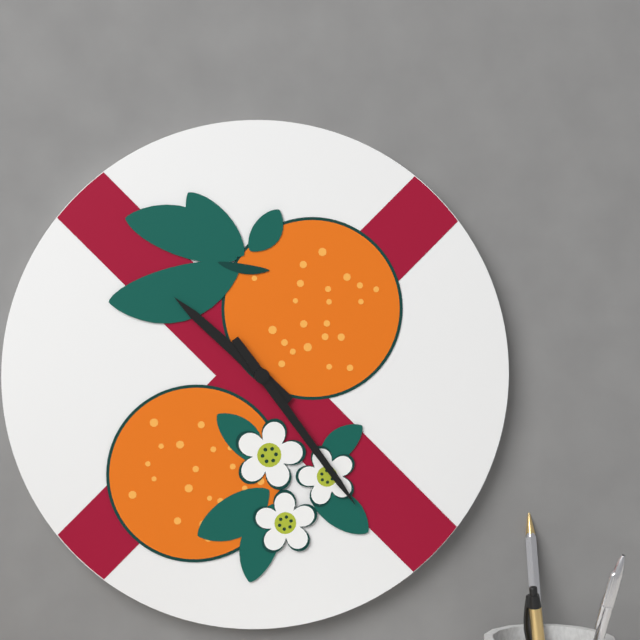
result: h=10 m=24
